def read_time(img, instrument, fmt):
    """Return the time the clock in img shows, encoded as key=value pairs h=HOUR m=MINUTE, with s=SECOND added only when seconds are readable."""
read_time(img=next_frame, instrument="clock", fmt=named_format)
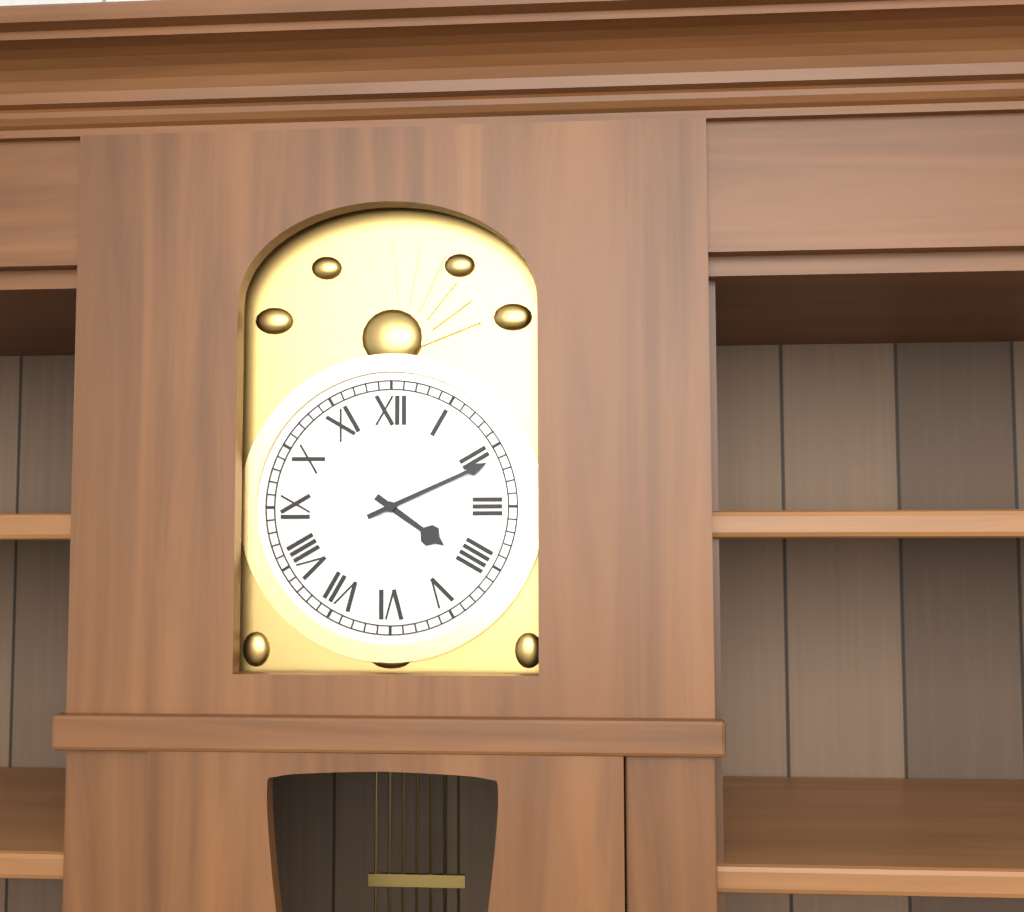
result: h=4 m=11
